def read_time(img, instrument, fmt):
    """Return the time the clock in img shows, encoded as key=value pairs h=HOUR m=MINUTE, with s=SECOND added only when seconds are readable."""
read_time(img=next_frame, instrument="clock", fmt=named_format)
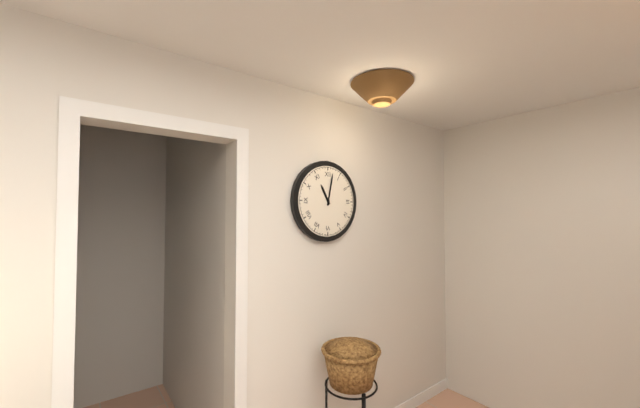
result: h=11 m=2
